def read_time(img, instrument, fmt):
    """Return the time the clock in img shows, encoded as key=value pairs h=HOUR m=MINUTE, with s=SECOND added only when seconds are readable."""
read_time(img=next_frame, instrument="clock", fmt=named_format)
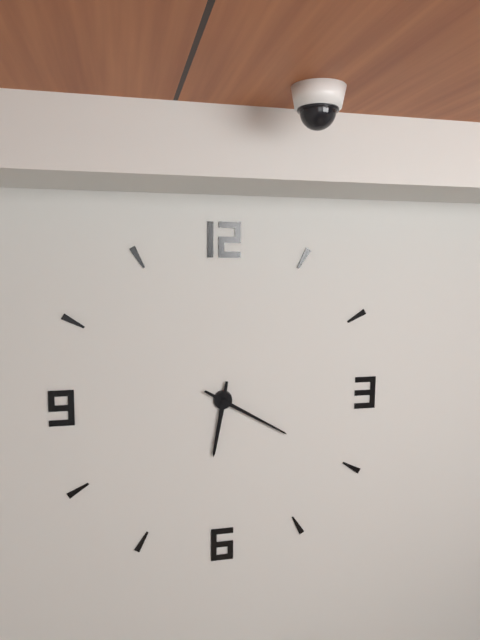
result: h=6 m=20
